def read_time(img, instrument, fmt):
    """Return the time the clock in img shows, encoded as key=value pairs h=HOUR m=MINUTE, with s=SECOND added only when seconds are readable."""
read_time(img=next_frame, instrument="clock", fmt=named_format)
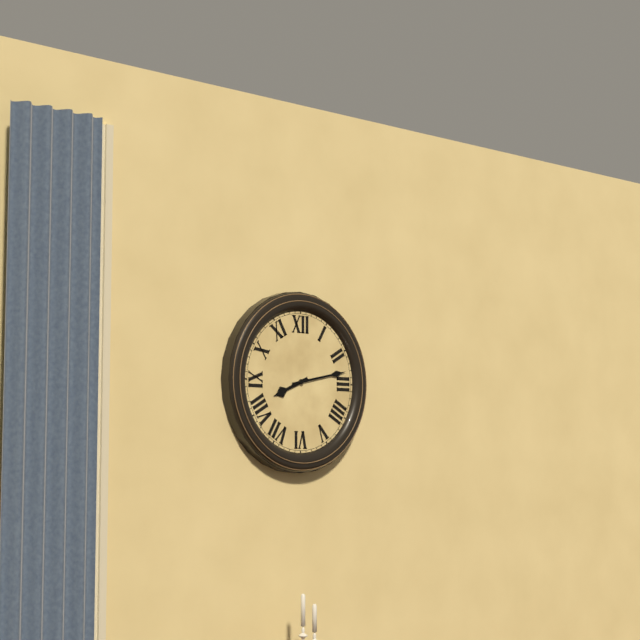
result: h=8 m=13
